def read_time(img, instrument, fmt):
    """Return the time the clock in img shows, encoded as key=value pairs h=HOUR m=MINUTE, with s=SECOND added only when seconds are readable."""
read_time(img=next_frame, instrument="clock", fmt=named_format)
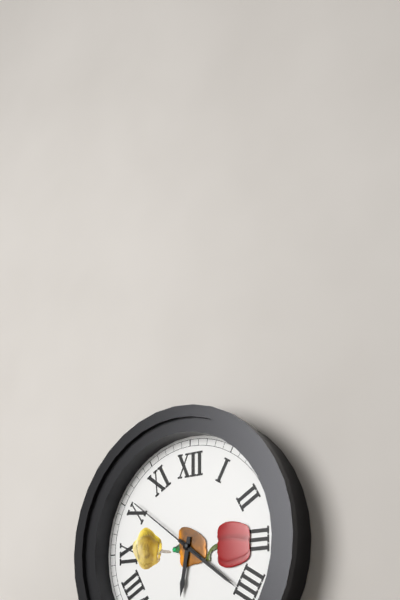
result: h=6 m=21 s=51
